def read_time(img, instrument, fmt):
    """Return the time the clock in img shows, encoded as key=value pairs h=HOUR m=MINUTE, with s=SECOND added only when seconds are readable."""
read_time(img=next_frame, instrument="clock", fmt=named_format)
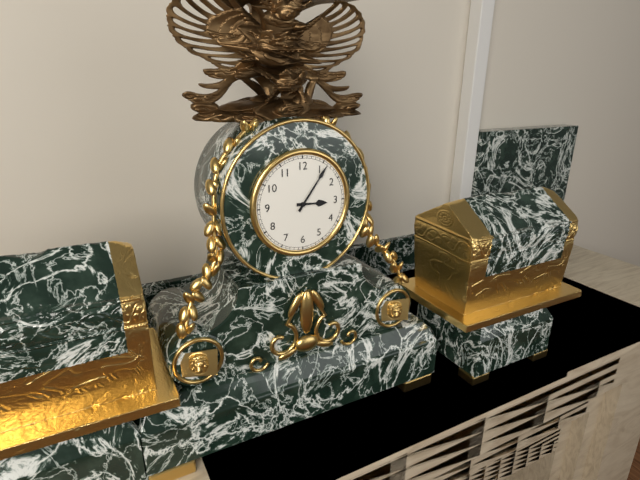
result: h=3 m=6
